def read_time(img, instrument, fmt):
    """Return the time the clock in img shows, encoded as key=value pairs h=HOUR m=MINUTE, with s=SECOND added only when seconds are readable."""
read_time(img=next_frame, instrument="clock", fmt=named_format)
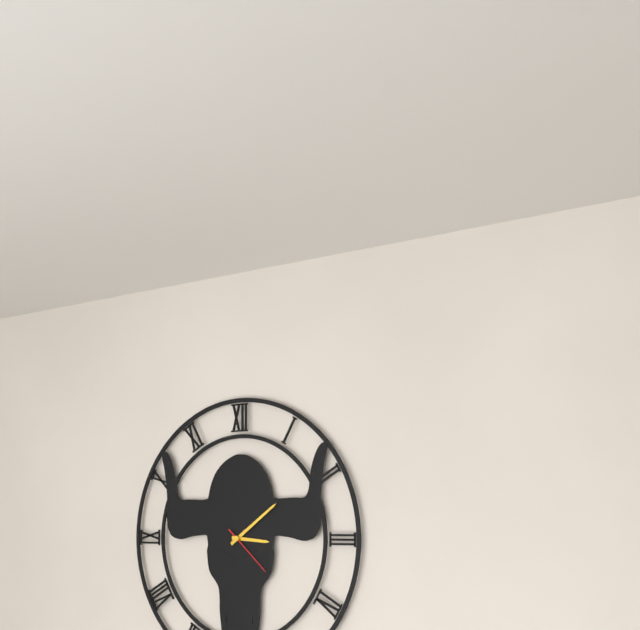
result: h=3 m=9 s=22
